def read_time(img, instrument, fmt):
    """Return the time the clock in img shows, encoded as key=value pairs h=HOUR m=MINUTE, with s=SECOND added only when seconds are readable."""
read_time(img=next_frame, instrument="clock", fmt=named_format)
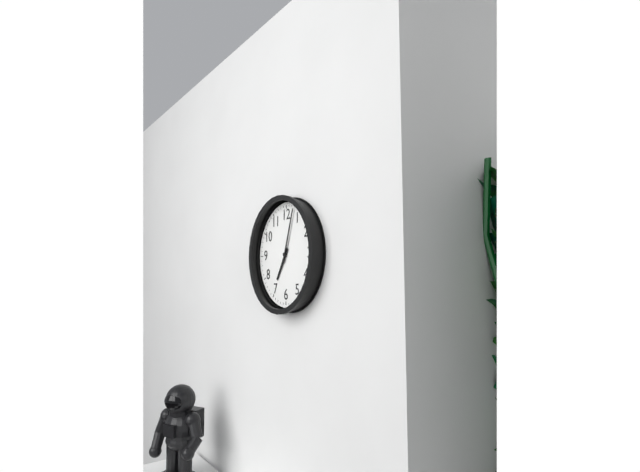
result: h=7 m=3
